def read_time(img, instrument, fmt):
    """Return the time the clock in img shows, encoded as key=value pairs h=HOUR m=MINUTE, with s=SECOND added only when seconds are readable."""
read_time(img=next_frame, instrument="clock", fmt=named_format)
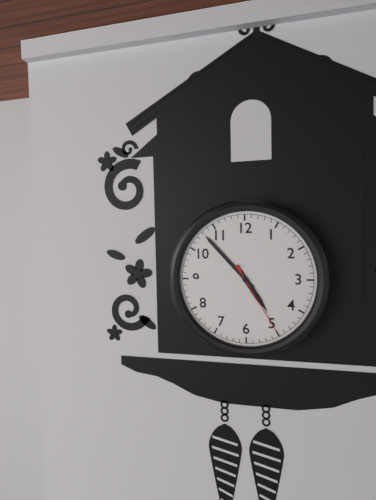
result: h=4 m=53 s=25
